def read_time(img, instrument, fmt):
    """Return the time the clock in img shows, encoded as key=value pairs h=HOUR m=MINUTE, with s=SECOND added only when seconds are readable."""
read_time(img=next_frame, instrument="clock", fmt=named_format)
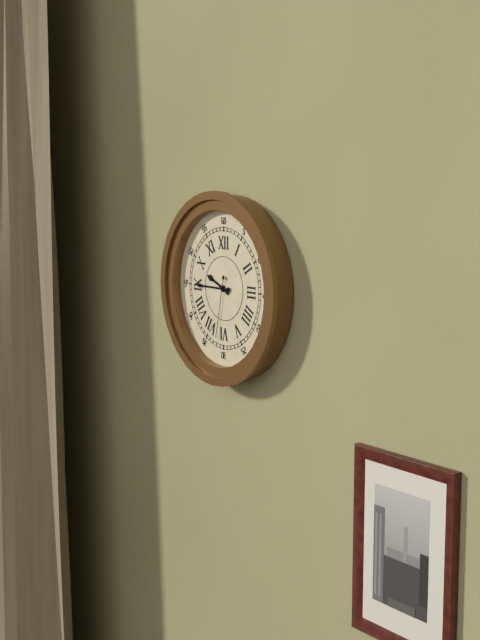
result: h=9 m=45 s=32
